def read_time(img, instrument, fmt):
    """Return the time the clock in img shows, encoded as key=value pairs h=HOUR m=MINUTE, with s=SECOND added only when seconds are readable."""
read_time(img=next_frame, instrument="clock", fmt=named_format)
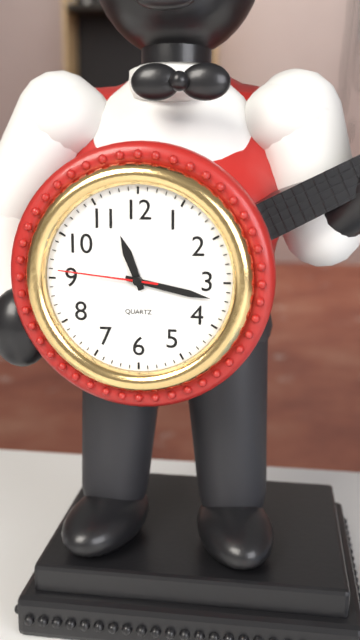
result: h=11 m=17 s=46
